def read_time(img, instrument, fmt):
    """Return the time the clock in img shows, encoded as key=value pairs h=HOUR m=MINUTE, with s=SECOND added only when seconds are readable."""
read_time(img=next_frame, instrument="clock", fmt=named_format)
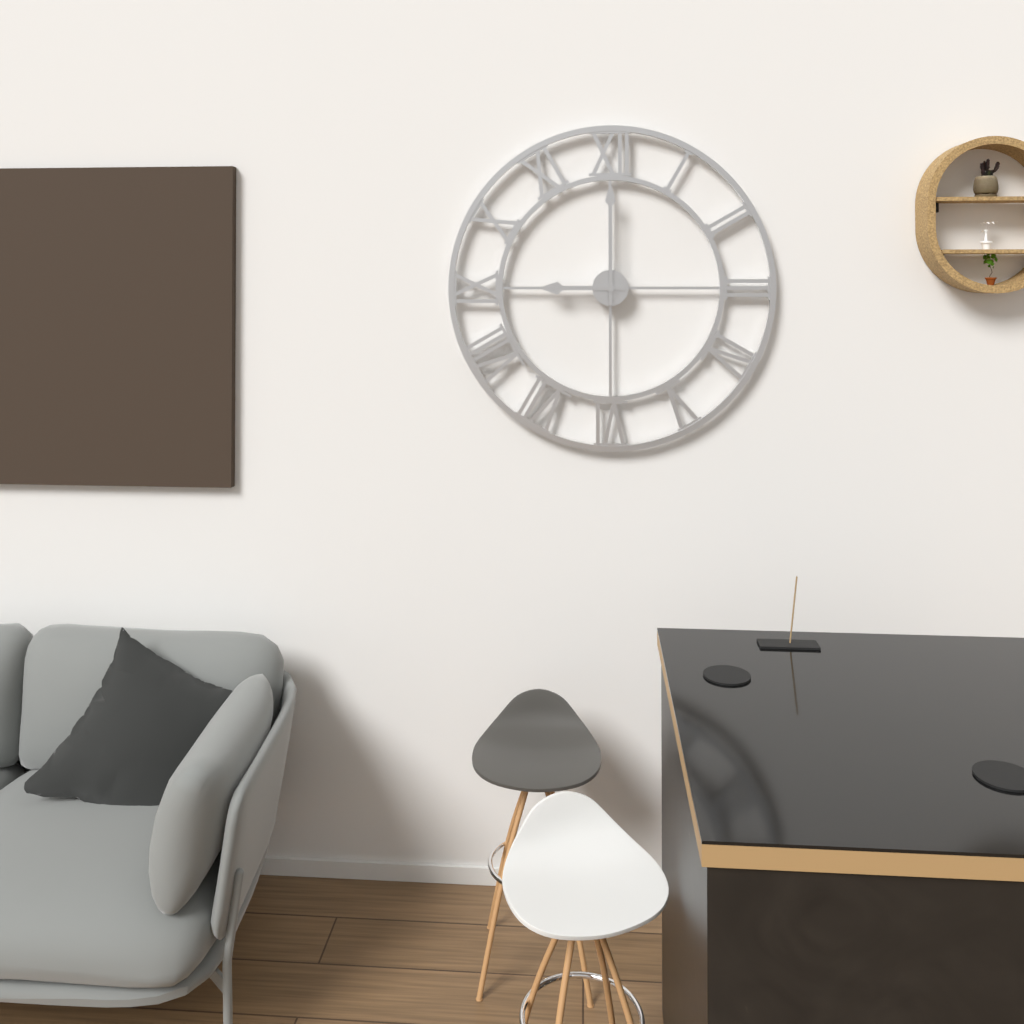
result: h=9 m=0
